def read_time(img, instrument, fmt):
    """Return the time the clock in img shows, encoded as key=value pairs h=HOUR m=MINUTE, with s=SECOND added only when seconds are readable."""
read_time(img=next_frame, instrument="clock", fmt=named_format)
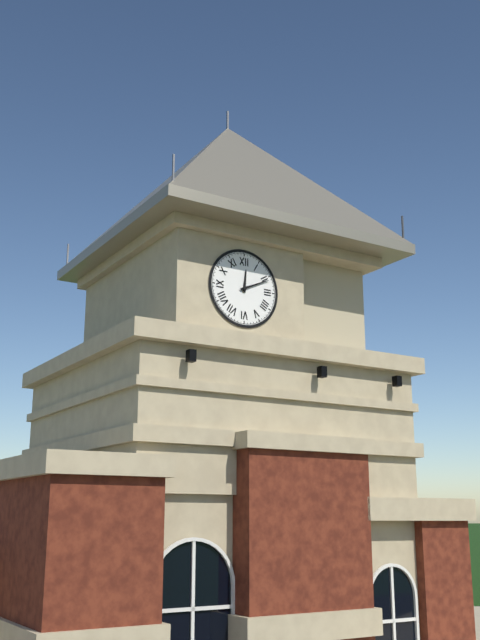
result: h=12 m=11
